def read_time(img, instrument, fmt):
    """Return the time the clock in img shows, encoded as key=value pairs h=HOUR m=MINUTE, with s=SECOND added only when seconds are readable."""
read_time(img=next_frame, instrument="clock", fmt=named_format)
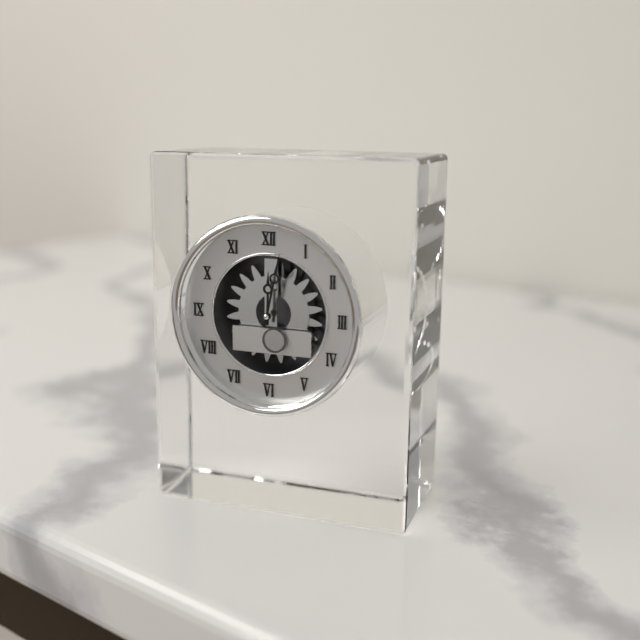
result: h=12 m=2
